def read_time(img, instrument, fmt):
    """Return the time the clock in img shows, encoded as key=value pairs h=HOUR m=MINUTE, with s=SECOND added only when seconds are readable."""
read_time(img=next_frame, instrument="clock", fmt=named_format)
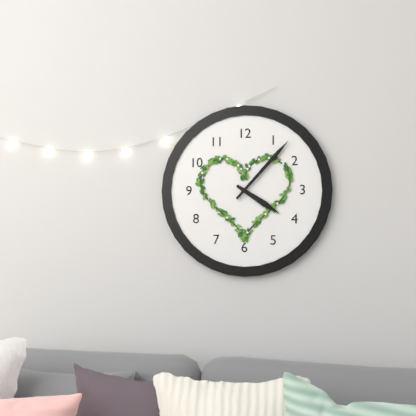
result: h=4 m=7
